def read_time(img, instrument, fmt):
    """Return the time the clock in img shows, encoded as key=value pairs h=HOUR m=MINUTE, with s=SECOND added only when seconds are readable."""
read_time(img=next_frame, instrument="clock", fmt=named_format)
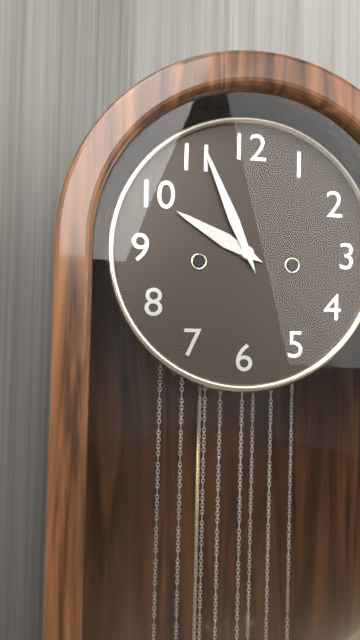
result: h=9 m=56
